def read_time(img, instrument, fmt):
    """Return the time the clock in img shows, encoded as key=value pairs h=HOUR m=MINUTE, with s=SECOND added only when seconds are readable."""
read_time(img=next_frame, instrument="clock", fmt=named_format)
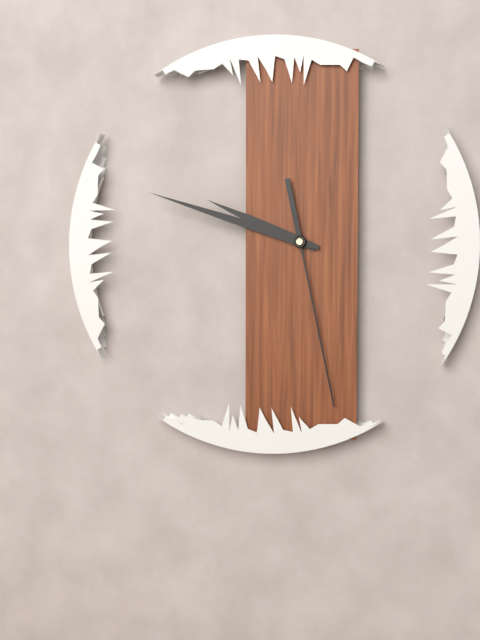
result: h=9 m=48 s=28
